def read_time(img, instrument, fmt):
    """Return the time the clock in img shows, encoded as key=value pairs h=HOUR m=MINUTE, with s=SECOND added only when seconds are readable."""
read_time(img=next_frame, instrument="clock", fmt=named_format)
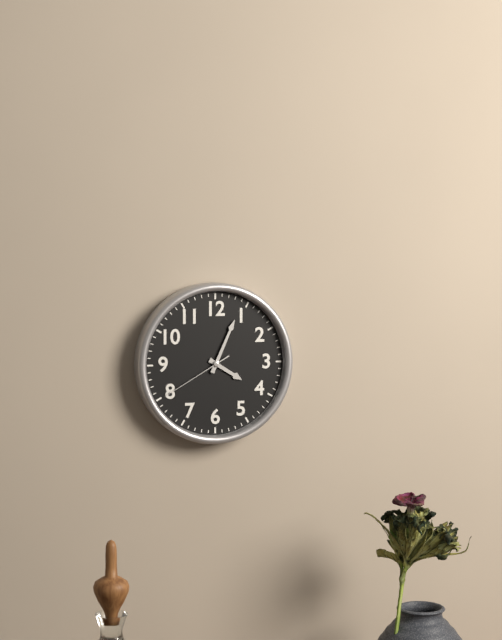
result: h=4 m=4 s=40
